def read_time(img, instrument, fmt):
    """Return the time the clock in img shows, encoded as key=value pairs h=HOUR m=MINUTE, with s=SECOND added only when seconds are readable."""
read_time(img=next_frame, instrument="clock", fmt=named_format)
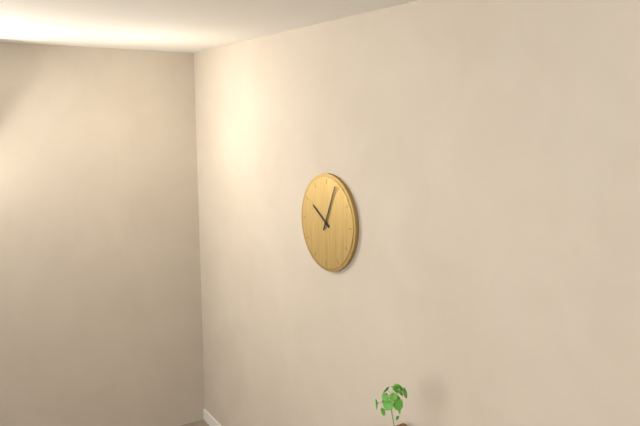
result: h=10 m=4
